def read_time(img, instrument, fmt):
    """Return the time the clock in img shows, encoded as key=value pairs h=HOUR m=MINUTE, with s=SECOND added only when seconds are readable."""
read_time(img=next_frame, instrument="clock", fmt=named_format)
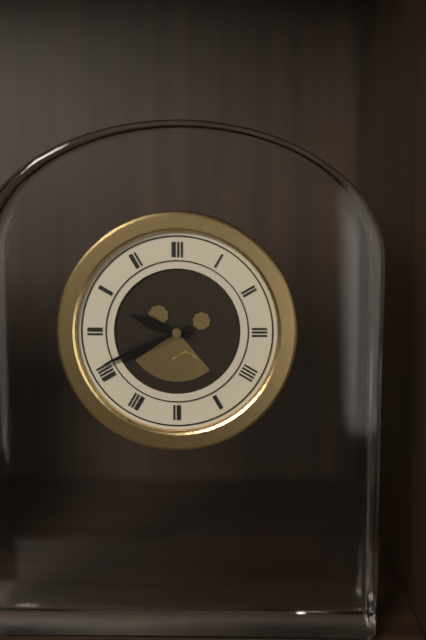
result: h=9 m=41
